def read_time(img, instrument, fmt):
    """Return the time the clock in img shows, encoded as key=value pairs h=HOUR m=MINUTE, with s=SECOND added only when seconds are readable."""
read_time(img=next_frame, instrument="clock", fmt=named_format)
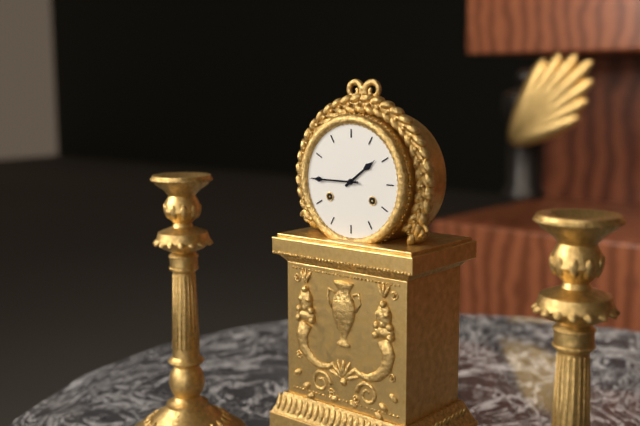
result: h=1 m=45
